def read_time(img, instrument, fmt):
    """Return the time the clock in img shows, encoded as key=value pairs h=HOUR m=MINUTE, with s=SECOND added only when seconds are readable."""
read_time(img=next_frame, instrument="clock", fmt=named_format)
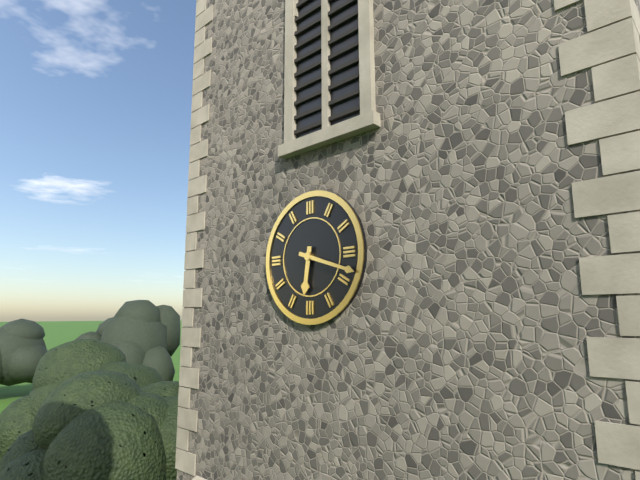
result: h=6 m=18
